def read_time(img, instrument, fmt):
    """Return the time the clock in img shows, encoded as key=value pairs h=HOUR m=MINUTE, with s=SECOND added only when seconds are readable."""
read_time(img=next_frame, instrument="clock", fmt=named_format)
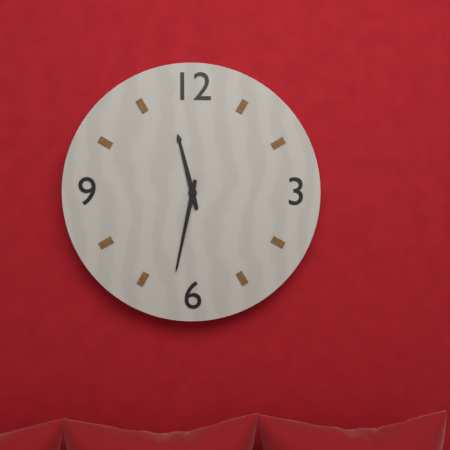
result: h=11 m=32
